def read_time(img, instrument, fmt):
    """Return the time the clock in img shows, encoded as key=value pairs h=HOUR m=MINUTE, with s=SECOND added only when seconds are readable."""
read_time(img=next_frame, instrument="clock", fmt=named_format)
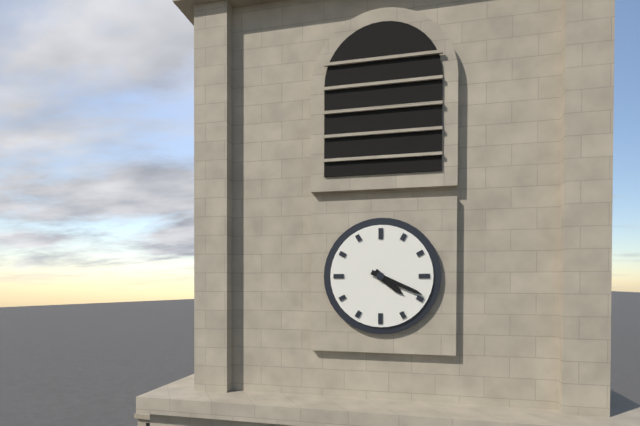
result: h=4 m=19
